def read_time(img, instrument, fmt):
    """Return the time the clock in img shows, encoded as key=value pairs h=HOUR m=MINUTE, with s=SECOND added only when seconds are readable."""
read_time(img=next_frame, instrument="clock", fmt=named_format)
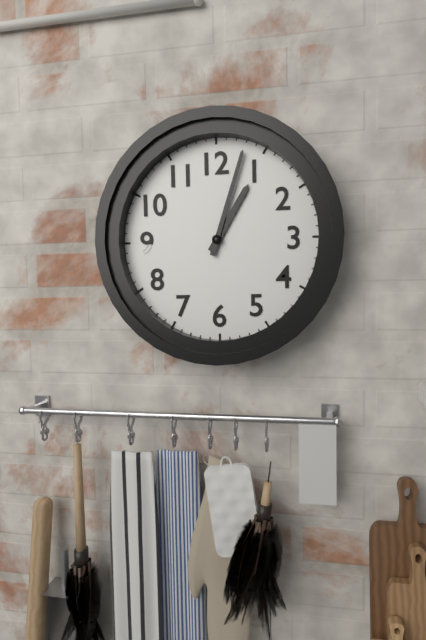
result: h=1 m=3
